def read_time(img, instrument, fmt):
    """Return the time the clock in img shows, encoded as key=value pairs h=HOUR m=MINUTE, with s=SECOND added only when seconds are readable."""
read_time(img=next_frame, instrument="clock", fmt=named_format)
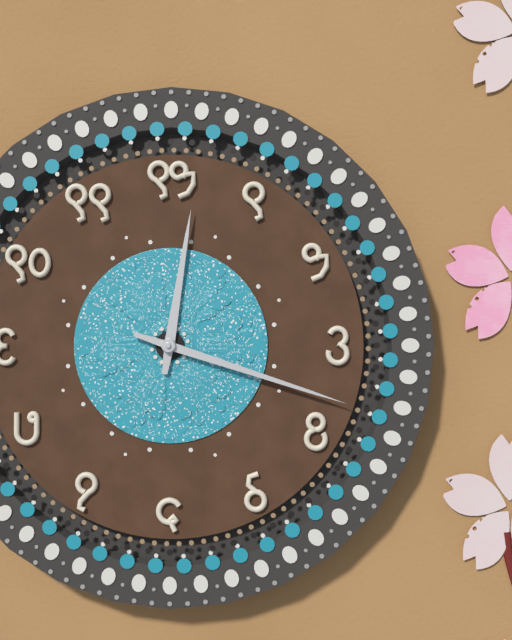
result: h=12 m=18
